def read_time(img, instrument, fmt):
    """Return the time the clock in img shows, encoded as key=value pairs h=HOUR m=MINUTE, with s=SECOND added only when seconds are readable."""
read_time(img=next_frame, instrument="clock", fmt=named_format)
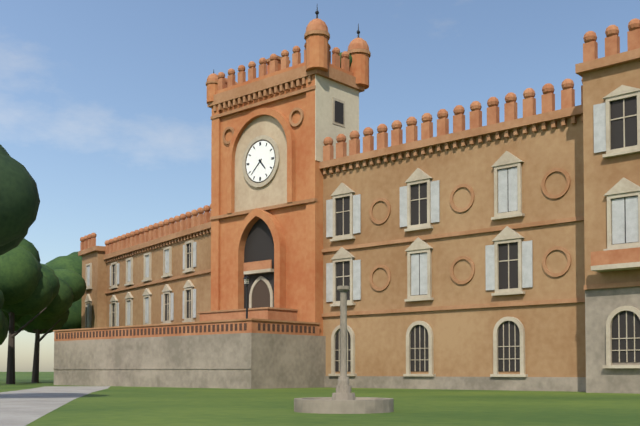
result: h=4 m=38
